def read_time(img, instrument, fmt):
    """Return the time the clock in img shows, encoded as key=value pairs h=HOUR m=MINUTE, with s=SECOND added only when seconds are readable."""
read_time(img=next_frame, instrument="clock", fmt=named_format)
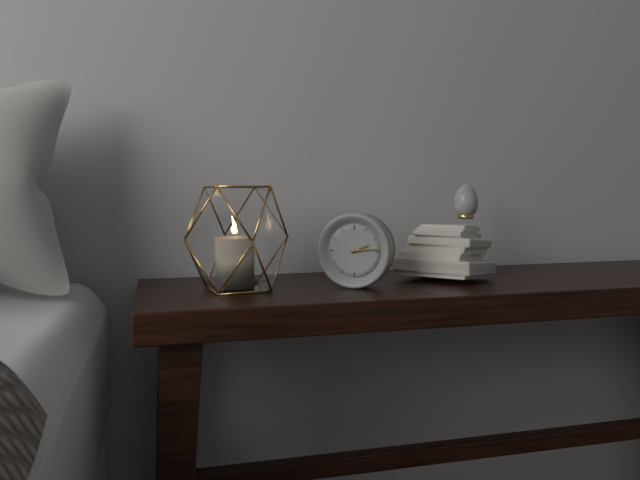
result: h=2 m=14
